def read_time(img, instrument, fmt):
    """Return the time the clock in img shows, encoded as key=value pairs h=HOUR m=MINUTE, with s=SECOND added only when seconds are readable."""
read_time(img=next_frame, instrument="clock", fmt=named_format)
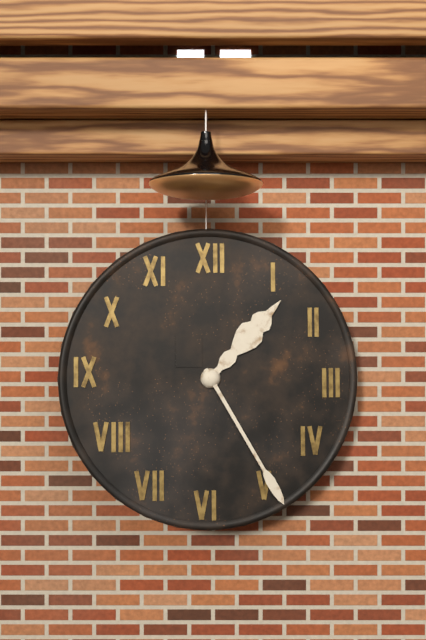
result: h=1 m=25
